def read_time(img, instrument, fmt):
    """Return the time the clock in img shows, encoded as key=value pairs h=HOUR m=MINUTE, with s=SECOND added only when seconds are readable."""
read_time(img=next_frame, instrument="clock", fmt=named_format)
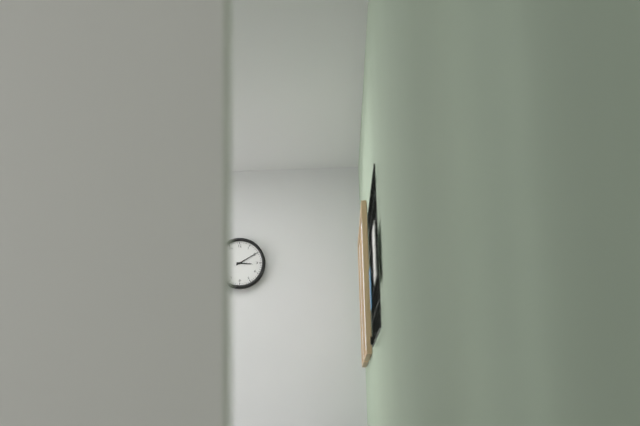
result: h=3 m=10
